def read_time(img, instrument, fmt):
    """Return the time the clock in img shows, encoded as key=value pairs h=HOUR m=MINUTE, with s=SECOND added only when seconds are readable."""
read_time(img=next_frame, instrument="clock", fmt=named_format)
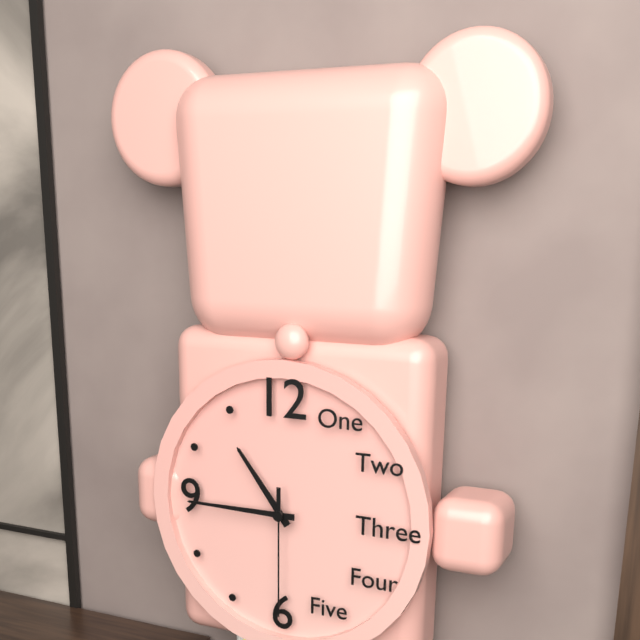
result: h=10 m=45 s=30
